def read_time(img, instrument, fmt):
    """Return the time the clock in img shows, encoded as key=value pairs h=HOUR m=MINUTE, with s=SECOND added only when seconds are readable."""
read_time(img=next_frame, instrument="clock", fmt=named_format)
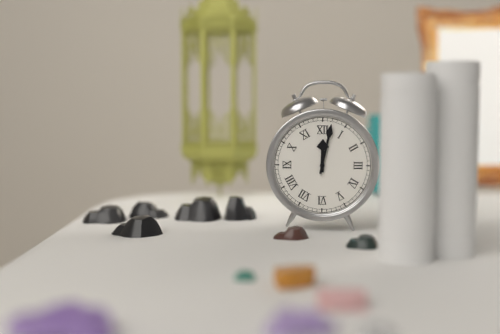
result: h=12 m=2
